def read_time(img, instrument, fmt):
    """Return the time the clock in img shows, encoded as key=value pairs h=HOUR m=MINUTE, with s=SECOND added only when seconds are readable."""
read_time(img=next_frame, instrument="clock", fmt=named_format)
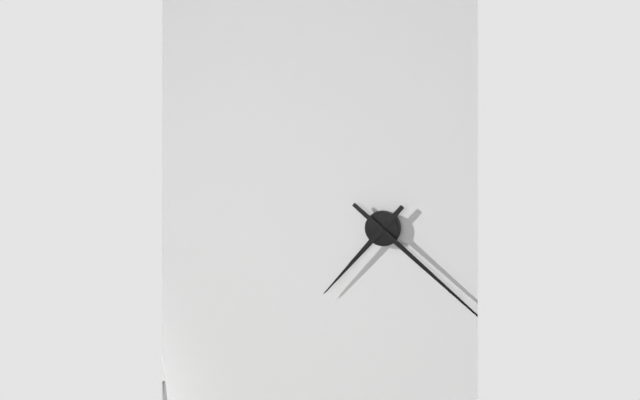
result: h=7 m=22
